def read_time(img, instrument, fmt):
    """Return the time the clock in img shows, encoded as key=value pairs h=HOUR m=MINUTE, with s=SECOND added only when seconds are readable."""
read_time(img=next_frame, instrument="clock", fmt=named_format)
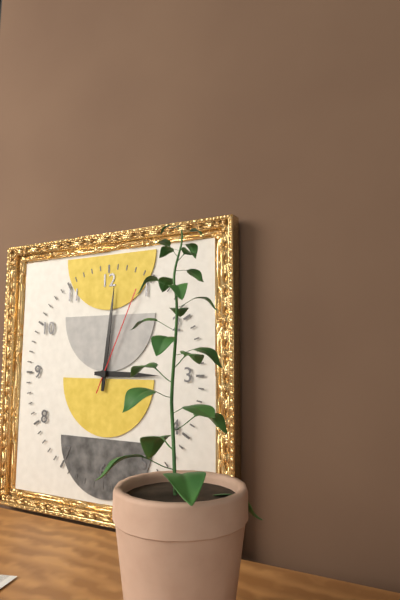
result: h=3 m=1 s=4
